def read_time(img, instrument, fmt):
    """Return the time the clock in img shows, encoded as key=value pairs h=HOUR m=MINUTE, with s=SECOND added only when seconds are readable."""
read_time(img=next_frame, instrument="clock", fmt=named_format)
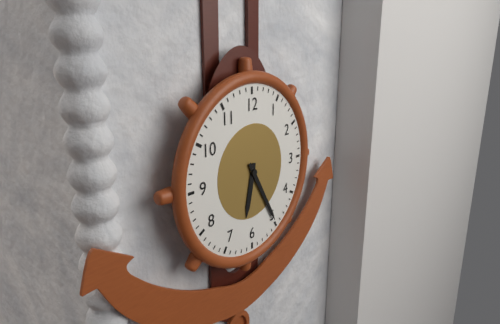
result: h=6 m=25
